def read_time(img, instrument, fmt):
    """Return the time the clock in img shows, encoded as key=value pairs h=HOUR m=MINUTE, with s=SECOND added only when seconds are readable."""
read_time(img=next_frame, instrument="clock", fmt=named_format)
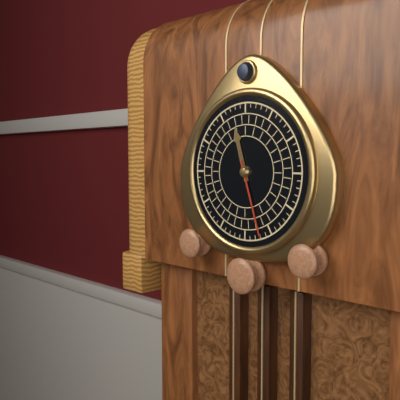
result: h=11 m=27
